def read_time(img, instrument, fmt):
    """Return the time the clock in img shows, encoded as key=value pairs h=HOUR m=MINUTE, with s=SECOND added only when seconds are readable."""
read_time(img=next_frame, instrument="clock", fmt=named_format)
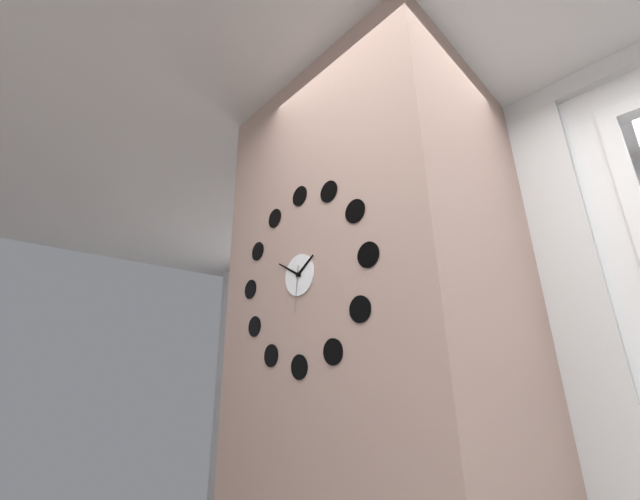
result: h=1 m=50
